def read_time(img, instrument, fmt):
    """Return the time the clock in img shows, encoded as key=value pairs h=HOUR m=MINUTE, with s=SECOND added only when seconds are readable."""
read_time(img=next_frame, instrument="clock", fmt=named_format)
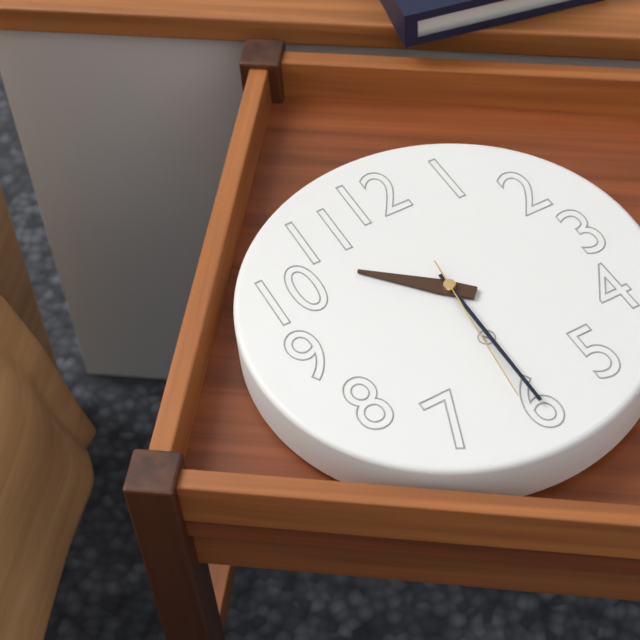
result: h=10 m=30 s=31
